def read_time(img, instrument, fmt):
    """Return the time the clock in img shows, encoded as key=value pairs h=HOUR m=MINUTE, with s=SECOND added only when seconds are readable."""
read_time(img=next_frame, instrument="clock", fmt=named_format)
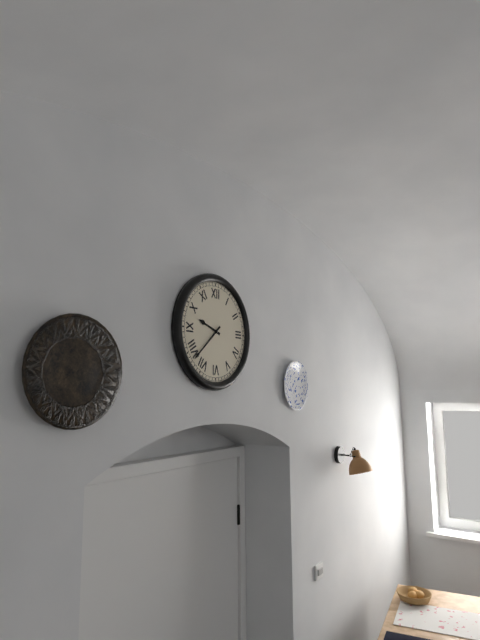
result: h=9 m=38
